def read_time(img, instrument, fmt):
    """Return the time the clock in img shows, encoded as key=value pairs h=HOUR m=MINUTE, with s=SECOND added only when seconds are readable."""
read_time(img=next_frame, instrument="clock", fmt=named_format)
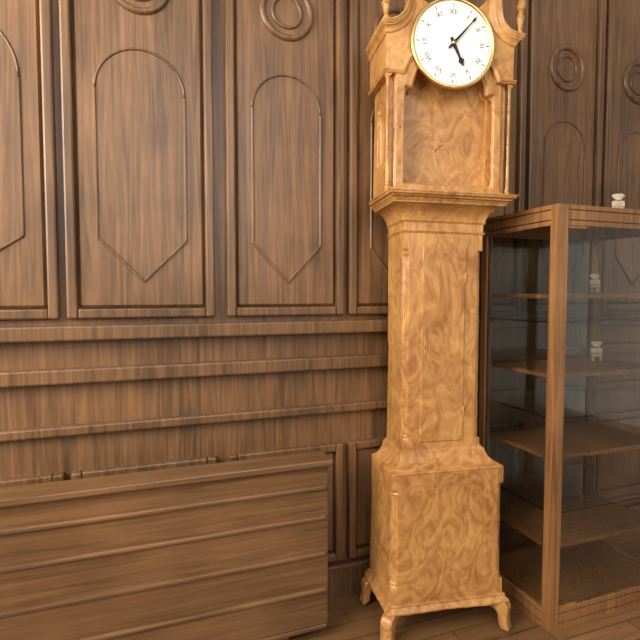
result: h=5 m=7
